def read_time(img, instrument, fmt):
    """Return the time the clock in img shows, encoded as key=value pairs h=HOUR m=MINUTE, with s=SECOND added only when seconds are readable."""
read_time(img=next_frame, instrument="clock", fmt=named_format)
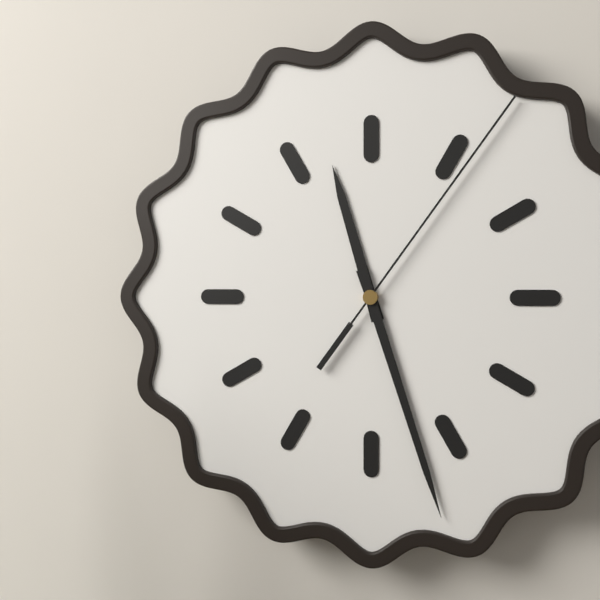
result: h=11 m=27 s=6
